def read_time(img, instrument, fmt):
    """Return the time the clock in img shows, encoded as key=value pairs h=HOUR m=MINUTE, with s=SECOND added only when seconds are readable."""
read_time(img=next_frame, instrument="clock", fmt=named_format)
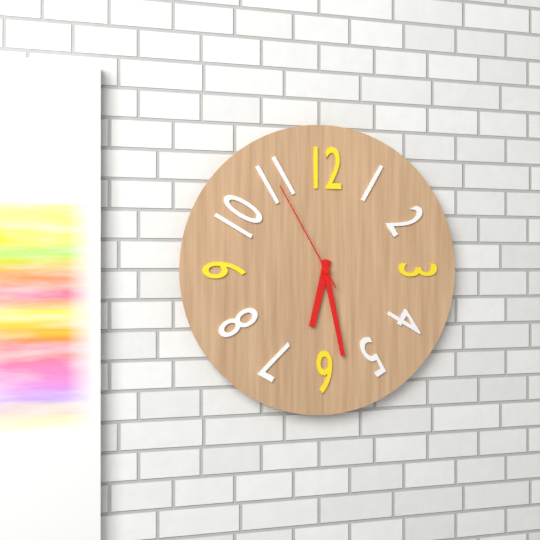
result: h=6 m=28 s=55
